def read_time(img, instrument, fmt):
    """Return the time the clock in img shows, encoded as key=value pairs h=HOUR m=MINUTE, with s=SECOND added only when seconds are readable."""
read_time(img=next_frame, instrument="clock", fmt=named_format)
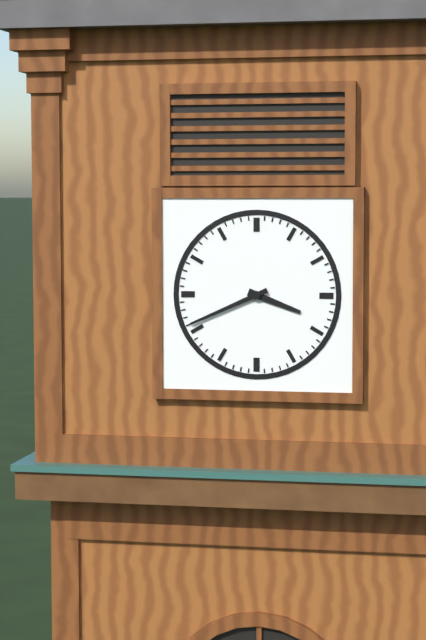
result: h=3 m=41
